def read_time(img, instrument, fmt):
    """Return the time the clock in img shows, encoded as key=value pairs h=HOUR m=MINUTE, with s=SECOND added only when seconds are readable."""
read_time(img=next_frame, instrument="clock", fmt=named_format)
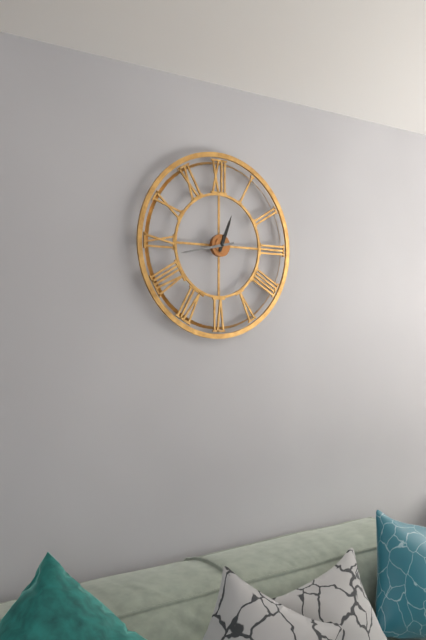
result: h=12 m=43
